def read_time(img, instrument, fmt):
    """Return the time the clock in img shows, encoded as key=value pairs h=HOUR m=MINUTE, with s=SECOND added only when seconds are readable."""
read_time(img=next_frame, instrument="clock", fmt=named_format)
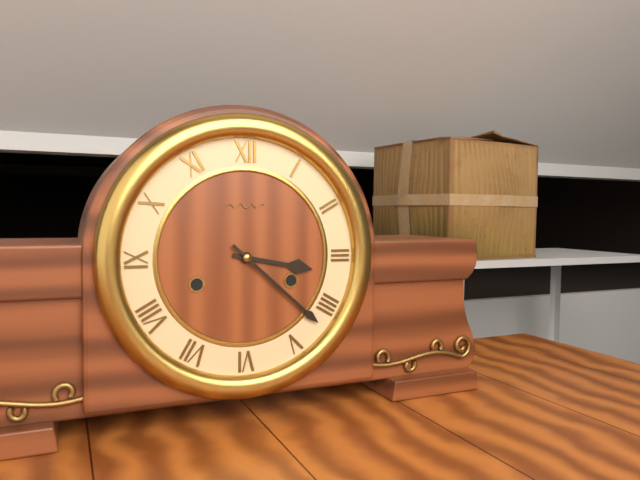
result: h=3 m=22
